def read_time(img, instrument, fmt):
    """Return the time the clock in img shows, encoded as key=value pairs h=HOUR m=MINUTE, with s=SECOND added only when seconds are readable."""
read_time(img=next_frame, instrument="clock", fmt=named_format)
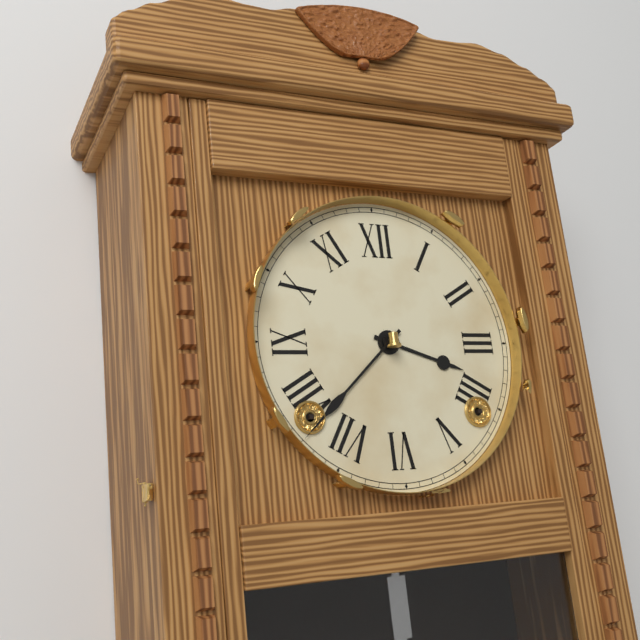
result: h=3 m=38
